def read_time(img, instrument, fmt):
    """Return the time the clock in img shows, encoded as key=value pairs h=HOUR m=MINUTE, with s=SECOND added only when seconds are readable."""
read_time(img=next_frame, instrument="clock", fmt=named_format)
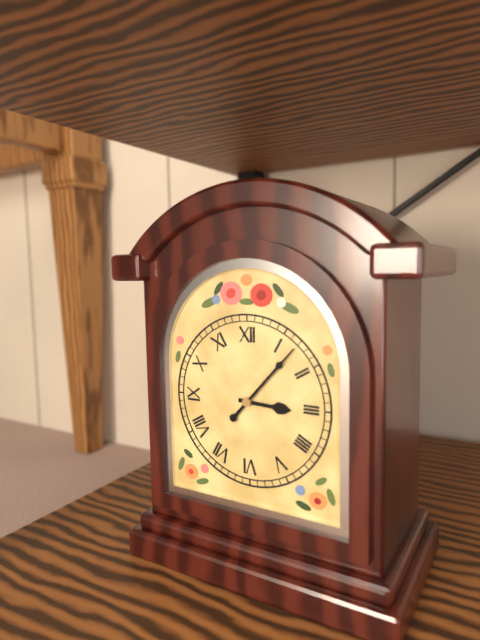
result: h=3 m=7
